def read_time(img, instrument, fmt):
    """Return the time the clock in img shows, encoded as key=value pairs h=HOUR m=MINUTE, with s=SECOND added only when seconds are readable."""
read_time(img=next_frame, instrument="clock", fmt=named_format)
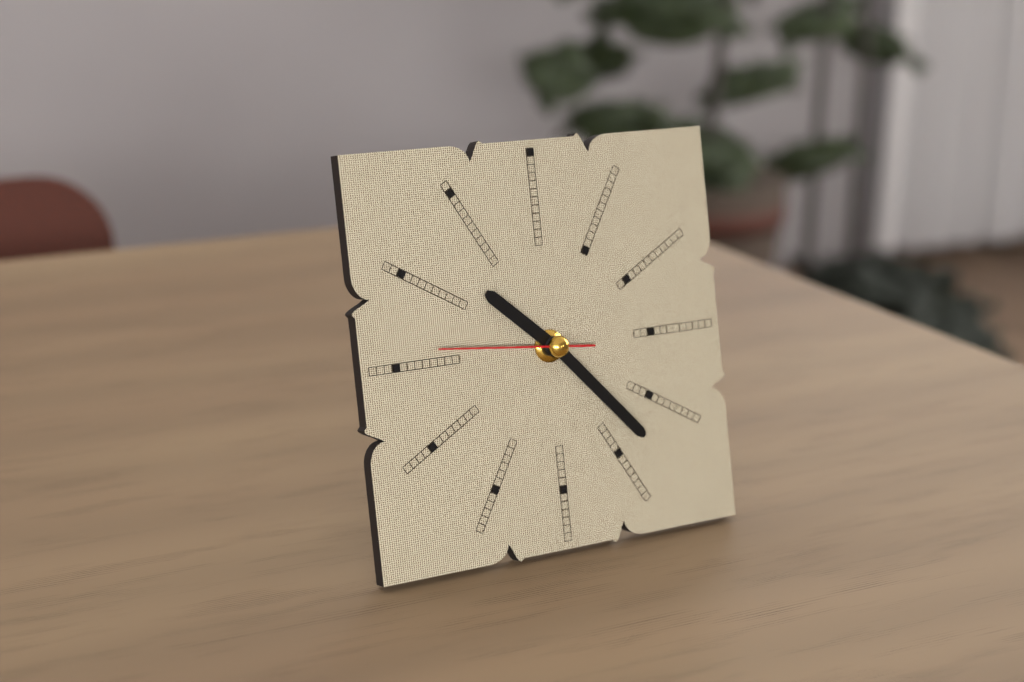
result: h=10 m=23 s=46
